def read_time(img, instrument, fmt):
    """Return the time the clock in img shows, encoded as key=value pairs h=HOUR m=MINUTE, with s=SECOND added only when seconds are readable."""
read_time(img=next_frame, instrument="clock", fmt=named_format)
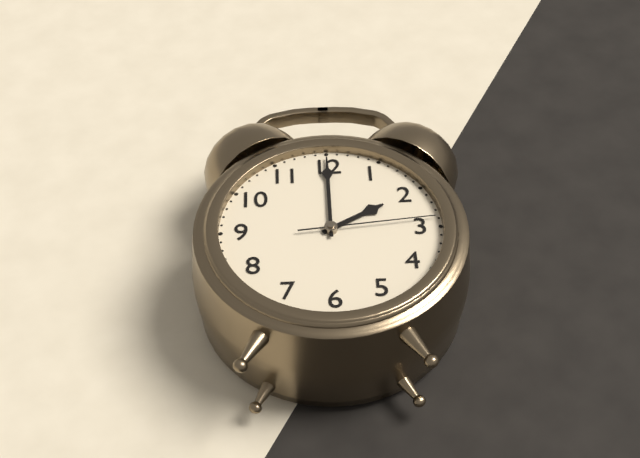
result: h=2 m=0 s=14
